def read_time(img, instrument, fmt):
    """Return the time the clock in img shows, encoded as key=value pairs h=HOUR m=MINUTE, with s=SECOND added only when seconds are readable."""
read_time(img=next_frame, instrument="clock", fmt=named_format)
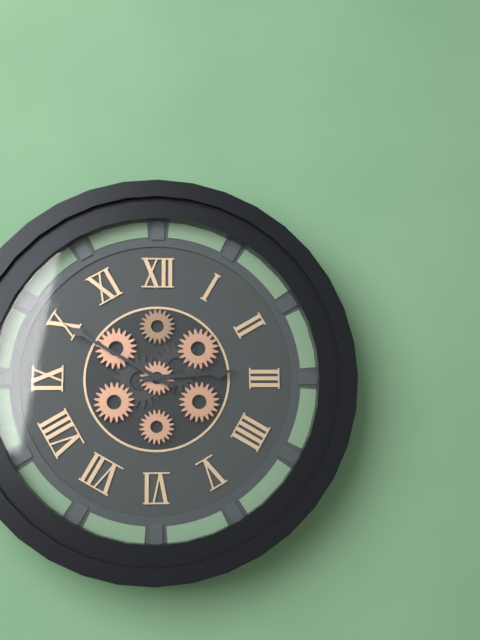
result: h=2 m=50
